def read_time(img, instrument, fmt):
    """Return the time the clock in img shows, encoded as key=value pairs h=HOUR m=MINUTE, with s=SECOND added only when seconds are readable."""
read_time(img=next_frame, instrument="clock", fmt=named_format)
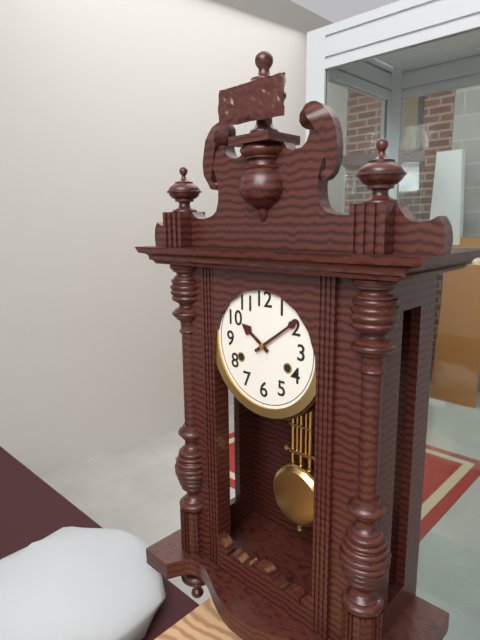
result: h=10 m=9
